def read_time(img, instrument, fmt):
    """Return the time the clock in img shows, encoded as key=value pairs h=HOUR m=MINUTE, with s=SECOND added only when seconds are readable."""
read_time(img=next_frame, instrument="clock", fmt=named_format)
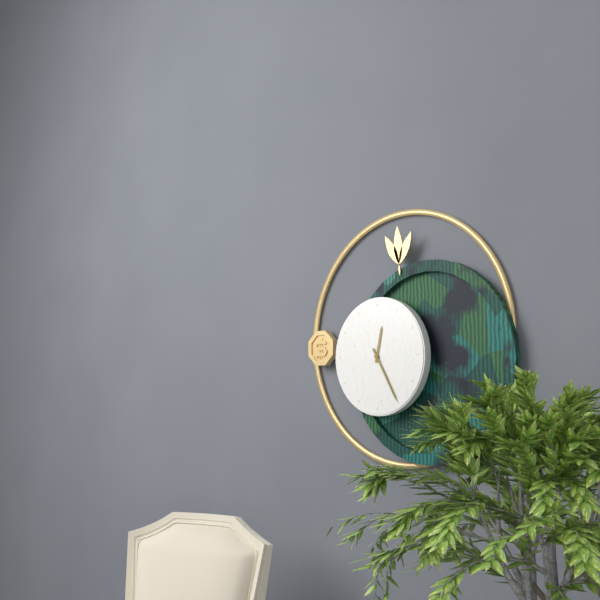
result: h=12 m=25
